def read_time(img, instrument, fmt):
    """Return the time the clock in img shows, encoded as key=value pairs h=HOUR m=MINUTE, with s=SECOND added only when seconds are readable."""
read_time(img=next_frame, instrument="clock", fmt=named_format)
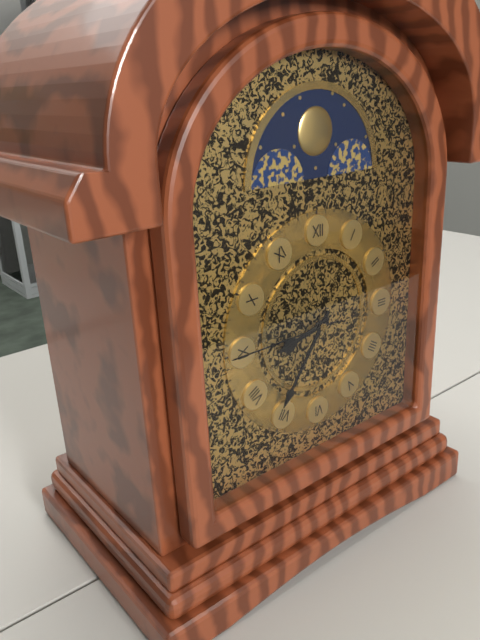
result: h=8 m=36 s=45
